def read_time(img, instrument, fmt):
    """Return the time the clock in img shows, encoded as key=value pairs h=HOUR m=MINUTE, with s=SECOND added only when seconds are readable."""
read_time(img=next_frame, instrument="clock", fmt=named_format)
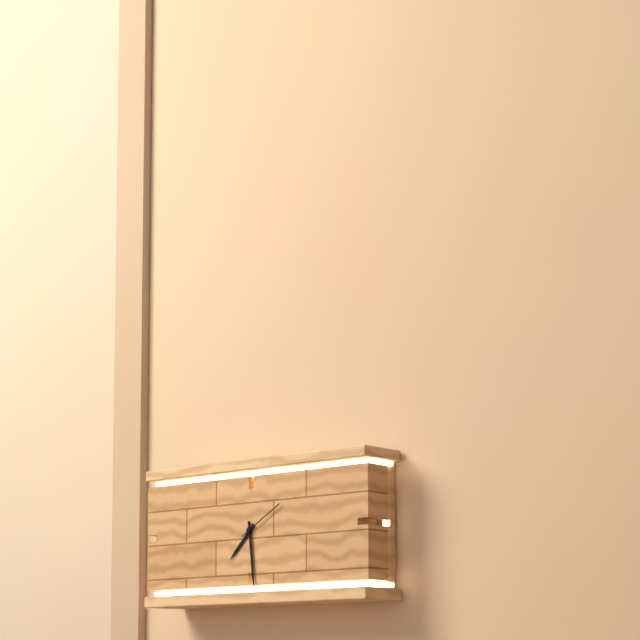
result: h=7 m=29
